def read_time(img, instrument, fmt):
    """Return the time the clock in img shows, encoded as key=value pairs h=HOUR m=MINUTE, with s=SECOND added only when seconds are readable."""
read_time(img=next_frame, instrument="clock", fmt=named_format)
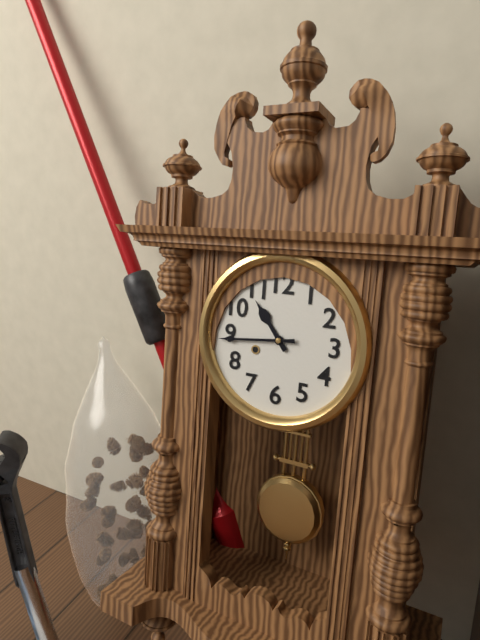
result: h=10 m=44
